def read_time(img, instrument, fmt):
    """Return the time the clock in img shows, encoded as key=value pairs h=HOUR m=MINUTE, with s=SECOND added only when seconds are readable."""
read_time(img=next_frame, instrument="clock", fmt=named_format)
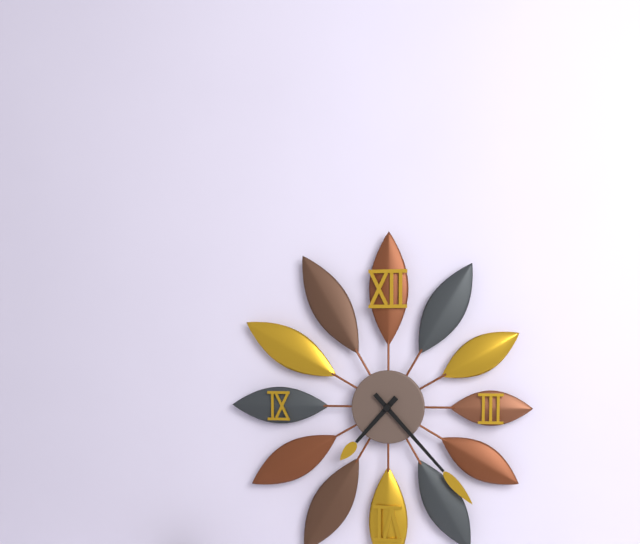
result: h=7 m=23
